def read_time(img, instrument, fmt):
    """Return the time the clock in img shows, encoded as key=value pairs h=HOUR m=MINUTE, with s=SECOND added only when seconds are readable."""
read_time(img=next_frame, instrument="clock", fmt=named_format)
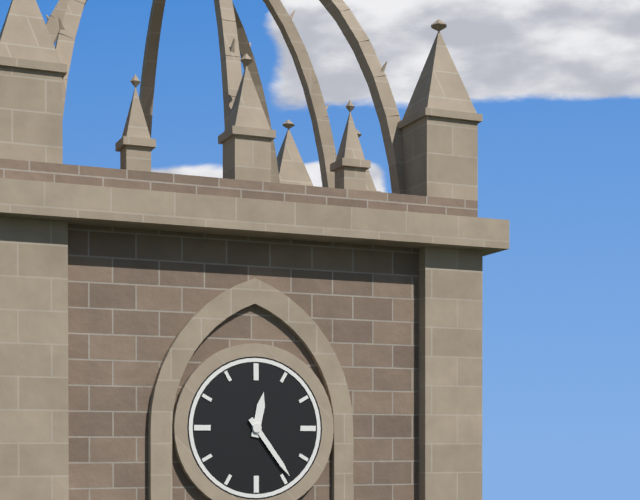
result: h=12 m=24
